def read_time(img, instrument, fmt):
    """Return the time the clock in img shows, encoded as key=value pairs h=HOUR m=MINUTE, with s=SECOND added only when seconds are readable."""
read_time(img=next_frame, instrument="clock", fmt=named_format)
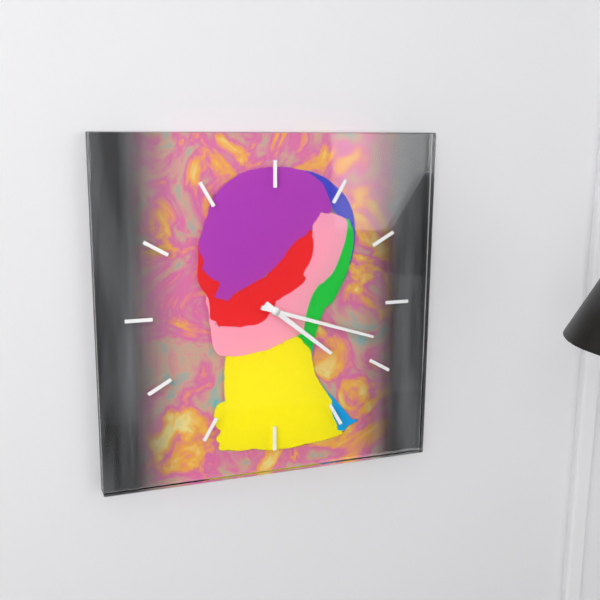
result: h=4 m=18
